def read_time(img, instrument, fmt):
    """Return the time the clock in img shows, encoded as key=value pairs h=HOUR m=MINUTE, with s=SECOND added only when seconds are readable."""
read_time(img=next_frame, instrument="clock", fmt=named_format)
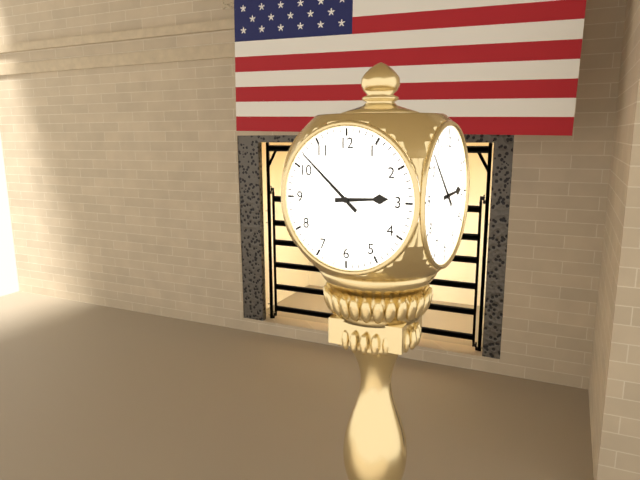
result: h=2 m=52
